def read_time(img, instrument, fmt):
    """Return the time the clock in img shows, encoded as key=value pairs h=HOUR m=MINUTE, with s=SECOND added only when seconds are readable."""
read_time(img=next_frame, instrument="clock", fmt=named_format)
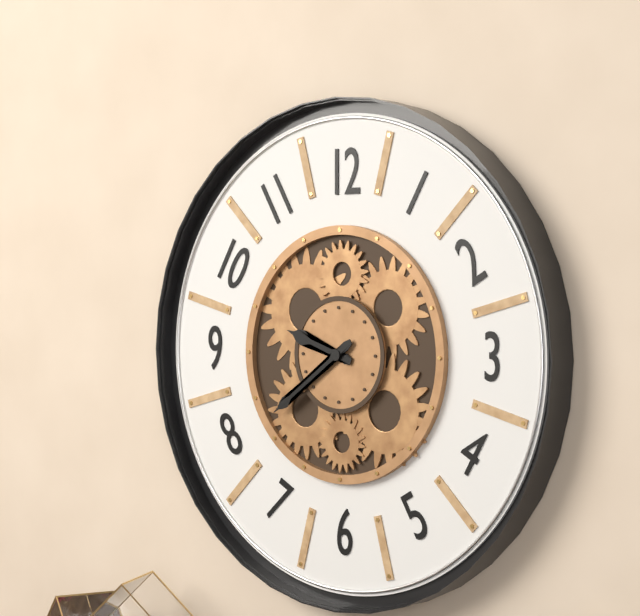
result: h=9 m=39
